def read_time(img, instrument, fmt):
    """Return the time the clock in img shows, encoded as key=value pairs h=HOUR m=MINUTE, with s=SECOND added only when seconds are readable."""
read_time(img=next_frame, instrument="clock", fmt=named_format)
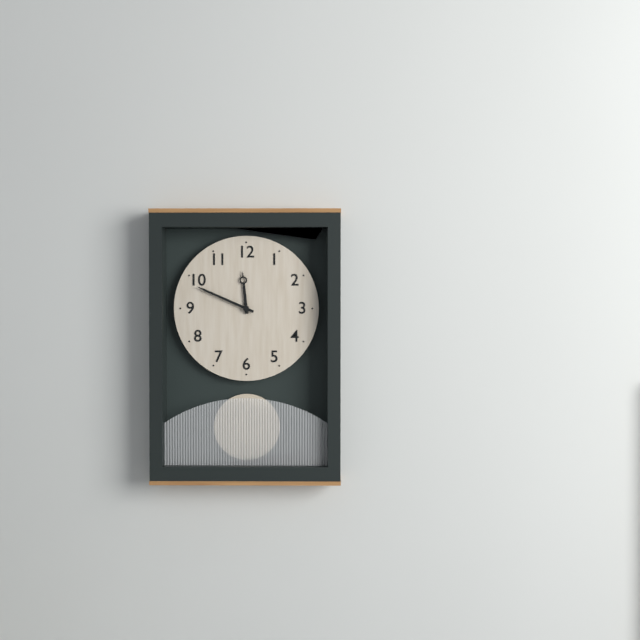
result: h=11 m=49
